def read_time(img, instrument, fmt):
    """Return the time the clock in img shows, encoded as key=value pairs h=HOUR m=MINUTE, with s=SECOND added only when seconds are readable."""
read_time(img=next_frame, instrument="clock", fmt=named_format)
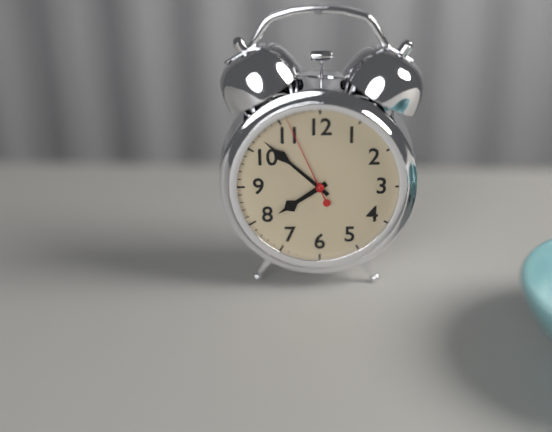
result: h=7 m=52 s=56
